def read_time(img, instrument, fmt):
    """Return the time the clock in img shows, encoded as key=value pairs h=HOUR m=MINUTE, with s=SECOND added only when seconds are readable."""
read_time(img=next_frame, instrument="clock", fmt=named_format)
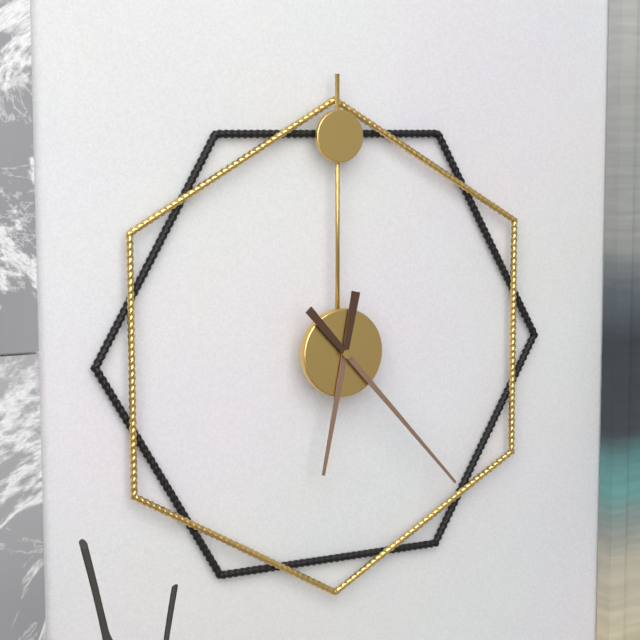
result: h=6 m=23
